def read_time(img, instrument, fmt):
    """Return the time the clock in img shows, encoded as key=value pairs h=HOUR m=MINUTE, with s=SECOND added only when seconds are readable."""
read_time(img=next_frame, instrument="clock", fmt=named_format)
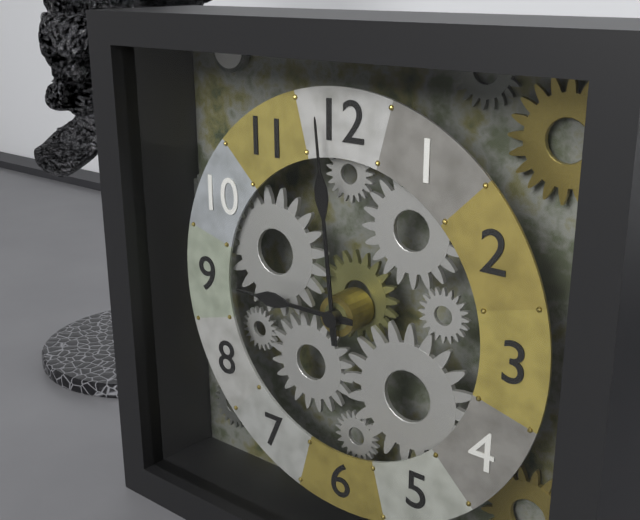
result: h=8 m=59
